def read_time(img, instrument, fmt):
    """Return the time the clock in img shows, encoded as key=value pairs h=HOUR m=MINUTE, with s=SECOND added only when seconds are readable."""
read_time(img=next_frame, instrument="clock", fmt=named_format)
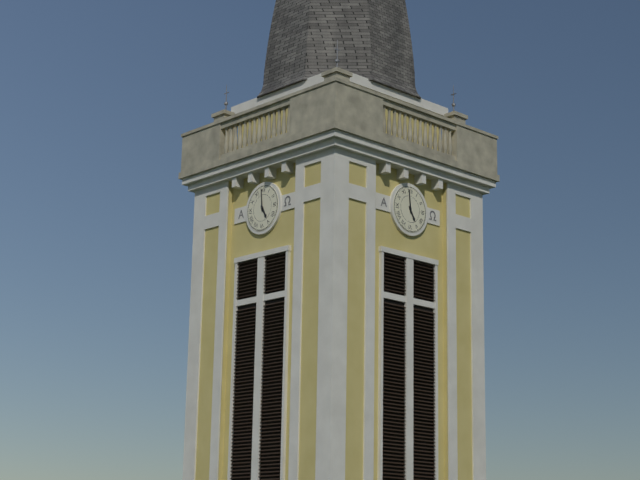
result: h=4 m=59
